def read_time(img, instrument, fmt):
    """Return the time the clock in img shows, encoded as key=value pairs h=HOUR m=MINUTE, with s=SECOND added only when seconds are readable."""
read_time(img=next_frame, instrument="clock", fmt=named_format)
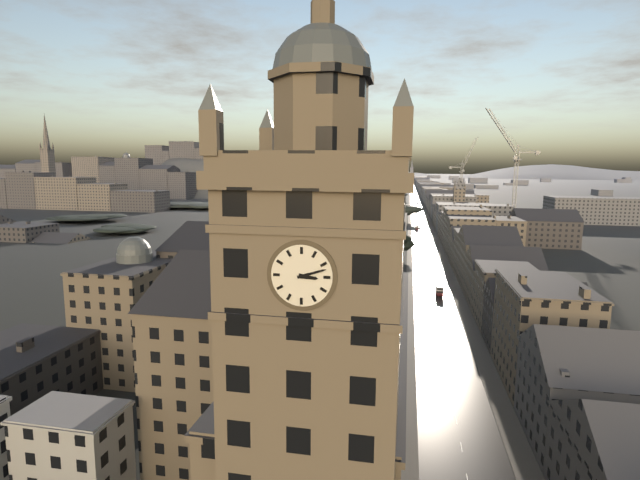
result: h=3 m=12
